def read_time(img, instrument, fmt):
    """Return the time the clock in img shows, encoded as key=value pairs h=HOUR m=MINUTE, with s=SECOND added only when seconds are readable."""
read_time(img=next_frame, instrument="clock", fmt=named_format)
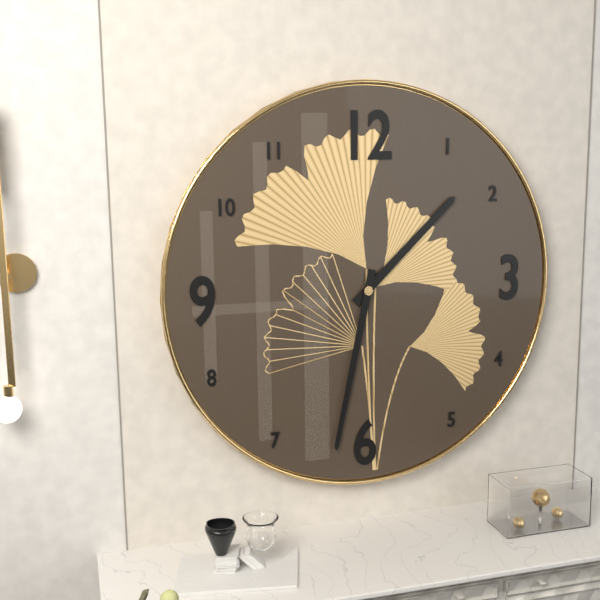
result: h=1 m=32
